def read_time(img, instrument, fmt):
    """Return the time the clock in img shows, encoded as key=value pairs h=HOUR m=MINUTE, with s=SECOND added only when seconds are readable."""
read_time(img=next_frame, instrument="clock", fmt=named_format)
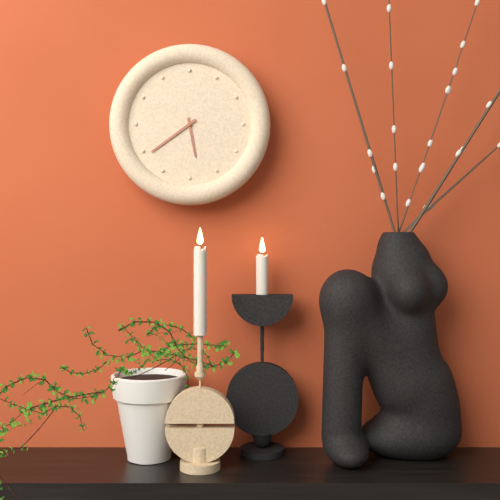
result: h=5 m=39
